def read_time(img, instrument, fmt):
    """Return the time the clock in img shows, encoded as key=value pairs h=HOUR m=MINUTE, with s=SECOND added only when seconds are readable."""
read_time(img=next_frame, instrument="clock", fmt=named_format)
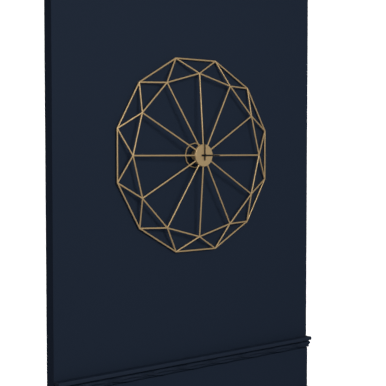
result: h=3 m=0
